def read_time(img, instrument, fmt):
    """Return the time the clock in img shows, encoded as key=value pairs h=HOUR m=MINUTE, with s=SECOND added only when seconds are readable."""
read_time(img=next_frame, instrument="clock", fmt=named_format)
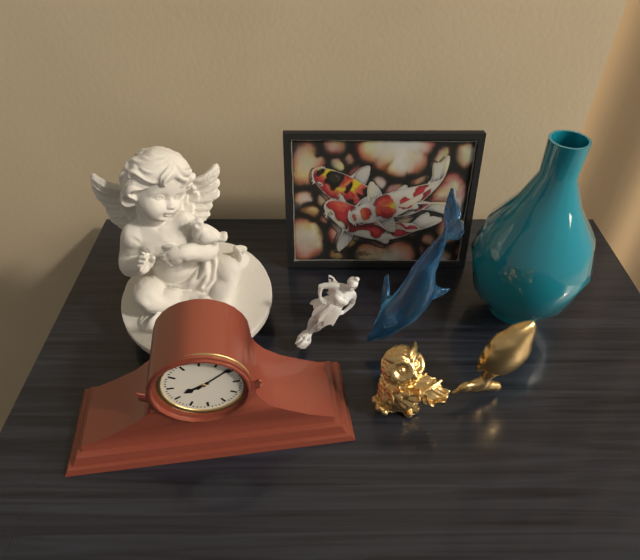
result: h=8 m=9
